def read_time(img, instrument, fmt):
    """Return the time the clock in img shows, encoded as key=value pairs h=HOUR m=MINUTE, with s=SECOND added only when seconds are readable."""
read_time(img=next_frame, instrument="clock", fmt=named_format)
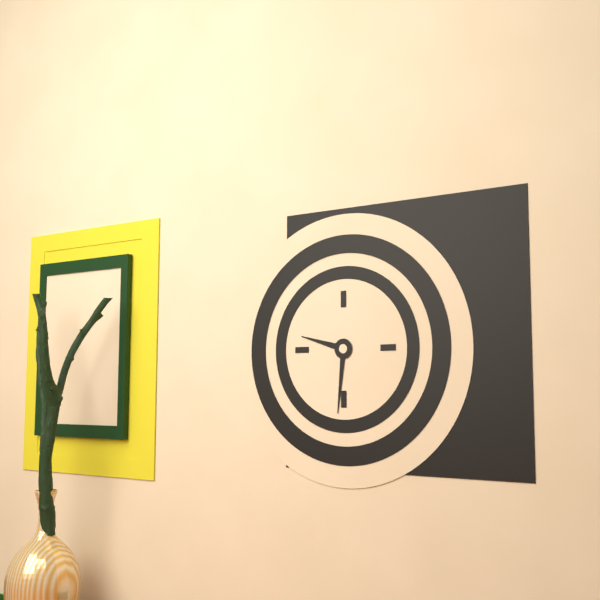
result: h=9 m=31
